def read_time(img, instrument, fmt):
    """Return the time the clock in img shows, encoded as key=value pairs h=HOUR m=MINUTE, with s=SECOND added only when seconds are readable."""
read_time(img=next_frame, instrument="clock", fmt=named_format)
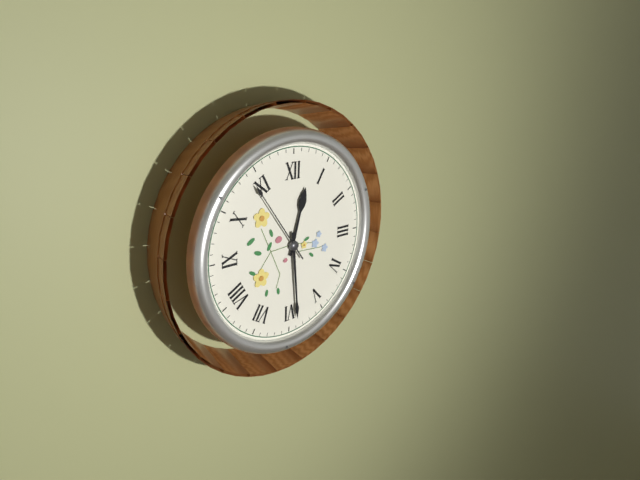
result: h=12 m=29 s=54
